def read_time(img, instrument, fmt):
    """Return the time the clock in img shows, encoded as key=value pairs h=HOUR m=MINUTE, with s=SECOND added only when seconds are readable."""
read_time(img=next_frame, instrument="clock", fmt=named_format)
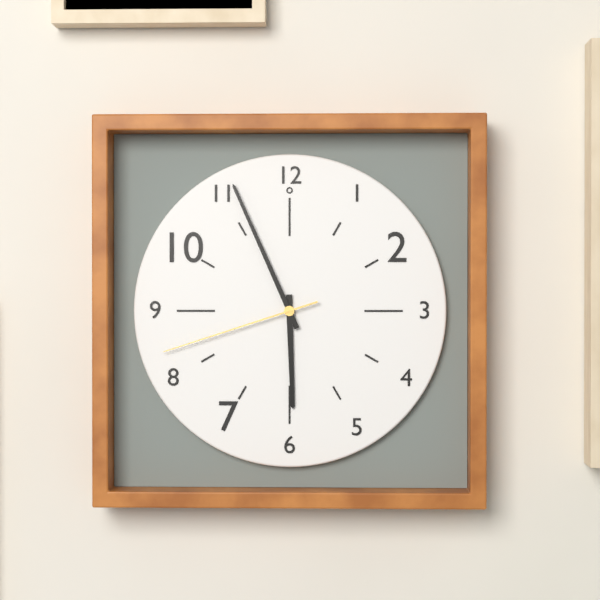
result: h=5 m=56 s=42
